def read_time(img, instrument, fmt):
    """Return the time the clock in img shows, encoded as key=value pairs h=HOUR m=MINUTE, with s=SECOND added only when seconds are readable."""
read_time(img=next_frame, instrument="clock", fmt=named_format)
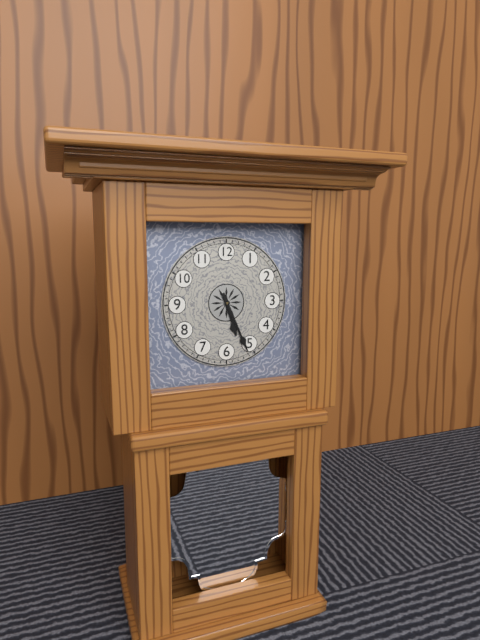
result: h=5 m=26
